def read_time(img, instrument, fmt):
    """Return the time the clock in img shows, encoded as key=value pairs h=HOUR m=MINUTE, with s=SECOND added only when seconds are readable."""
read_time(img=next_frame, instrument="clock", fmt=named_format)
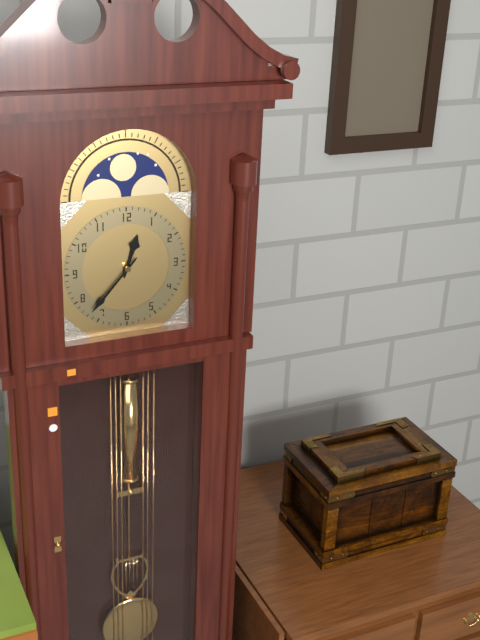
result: h=12 m=37
